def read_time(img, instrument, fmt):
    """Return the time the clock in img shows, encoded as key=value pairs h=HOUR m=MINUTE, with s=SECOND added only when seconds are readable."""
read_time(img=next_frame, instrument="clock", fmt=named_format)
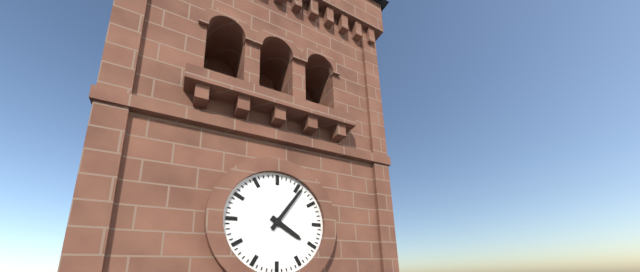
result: h=4 m=6
